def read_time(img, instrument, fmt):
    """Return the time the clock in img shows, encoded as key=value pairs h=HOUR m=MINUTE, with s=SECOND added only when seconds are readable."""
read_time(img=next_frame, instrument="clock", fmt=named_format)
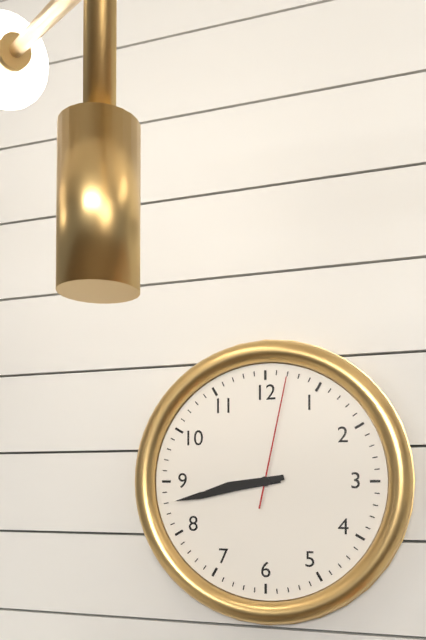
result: h=8 m=43 s=2
